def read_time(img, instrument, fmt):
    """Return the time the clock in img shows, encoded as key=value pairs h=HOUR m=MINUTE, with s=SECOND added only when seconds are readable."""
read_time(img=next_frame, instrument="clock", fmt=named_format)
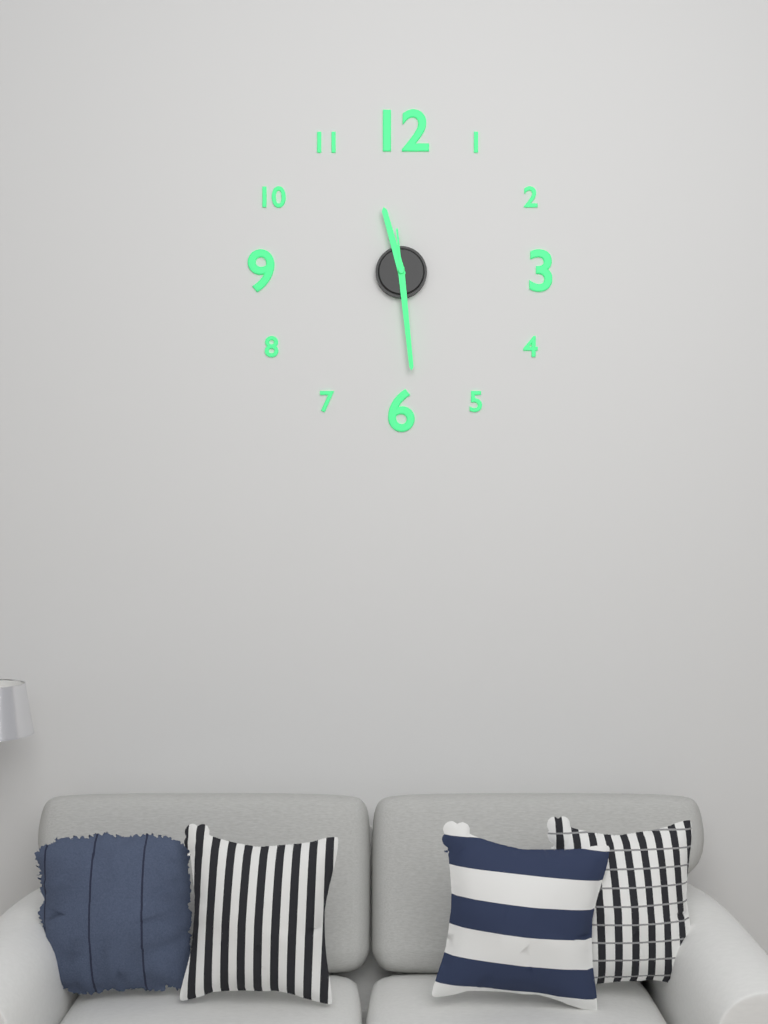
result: h=11 m=29 s=29
